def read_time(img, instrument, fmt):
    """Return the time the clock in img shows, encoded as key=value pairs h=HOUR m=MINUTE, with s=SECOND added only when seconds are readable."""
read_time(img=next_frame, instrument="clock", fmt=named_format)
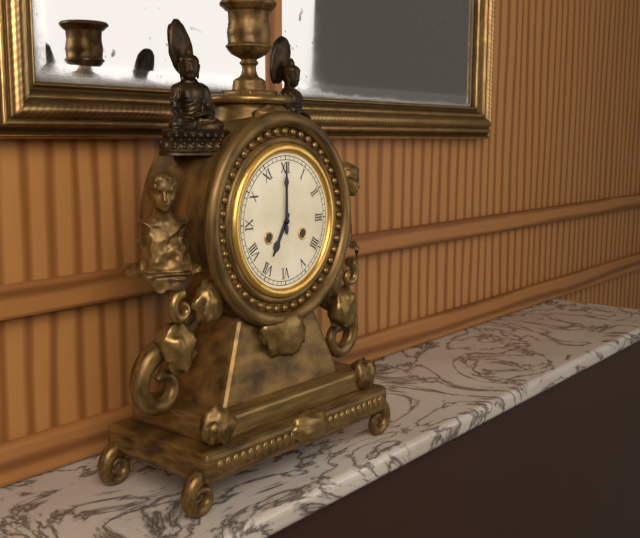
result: h=7 m=0
